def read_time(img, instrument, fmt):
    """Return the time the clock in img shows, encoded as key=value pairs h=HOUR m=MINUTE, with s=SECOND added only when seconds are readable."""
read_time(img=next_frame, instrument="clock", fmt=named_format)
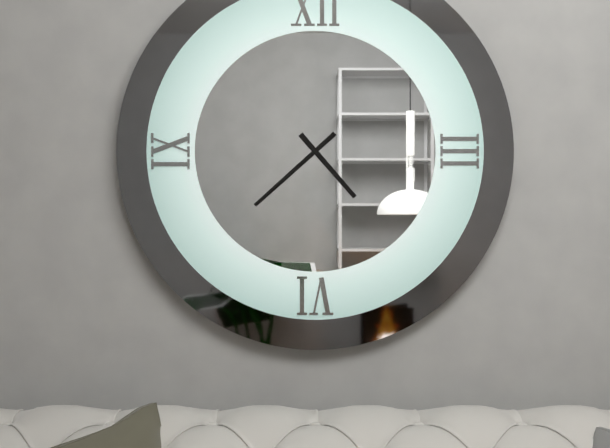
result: h=4 m=38
